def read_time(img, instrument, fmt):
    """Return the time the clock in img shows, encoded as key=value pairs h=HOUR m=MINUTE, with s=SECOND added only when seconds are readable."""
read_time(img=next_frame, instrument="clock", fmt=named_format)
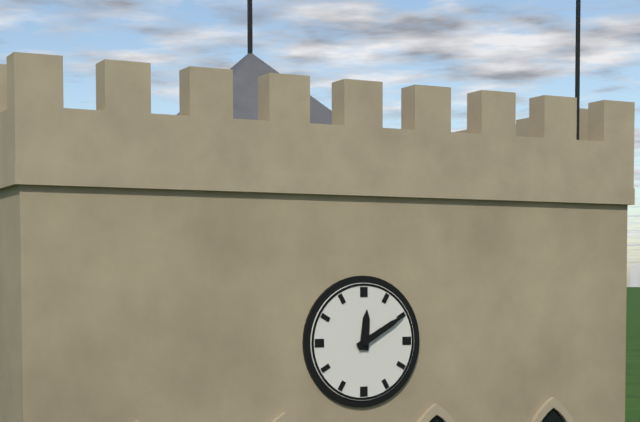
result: h=12 m=10
